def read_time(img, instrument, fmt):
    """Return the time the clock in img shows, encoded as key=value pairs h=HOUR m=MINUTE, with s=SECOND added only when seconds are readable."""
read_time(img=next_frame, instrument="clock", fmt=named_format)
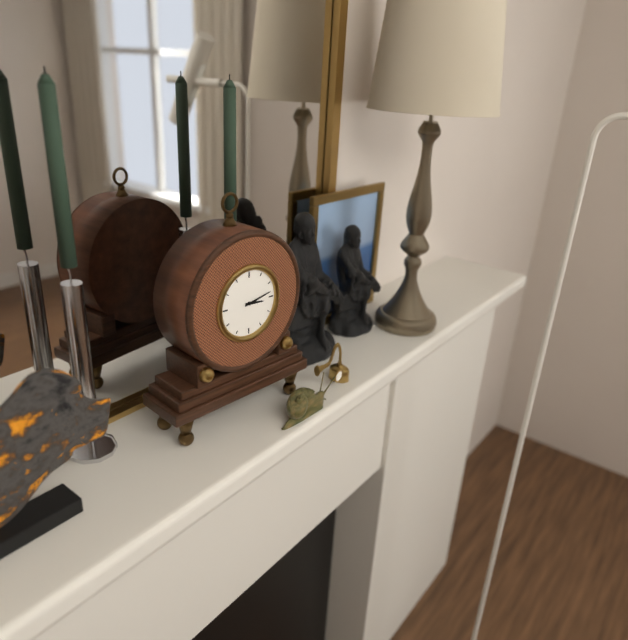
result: h=3 m=13
